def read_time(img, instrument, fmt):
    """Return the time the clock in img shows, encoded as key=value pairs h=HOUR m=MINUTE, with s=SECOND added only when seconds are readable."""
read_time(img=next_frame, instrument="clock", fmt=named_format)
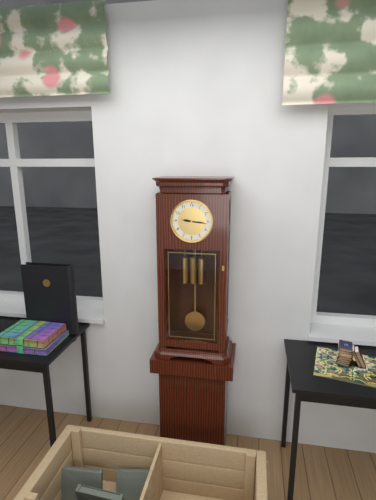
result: h=9 m=16
